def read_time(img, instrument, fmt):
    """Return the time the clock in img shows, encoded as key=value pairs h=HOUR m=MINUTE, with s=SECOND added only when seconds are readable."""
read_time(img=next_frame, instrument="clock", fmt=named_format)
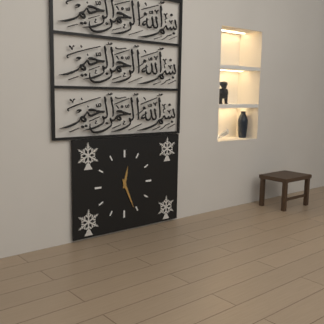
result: h=12 m=26
